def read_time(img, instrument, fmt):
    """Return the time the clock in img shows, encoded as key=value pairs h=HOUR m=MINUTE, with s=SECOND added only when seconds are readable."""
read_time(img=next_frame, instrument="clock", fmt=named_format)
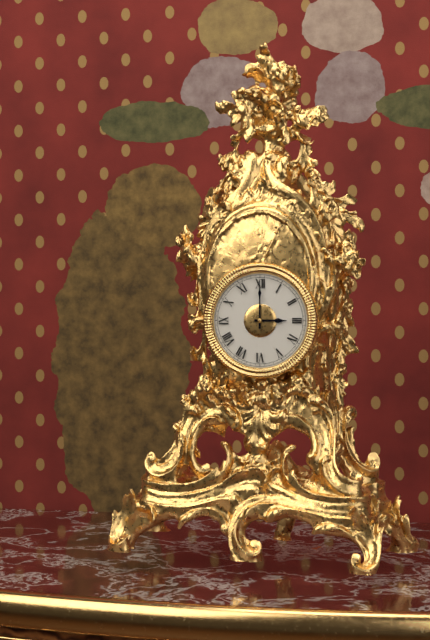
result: h=3 m=0
